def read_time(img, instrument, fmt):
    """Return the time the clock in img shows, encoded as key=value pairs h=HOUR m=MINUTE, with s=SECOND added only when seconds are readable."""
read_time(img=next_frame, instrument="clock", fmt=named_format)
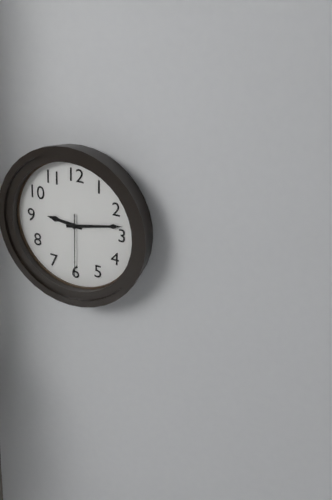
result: h=9 m=13 s=30
